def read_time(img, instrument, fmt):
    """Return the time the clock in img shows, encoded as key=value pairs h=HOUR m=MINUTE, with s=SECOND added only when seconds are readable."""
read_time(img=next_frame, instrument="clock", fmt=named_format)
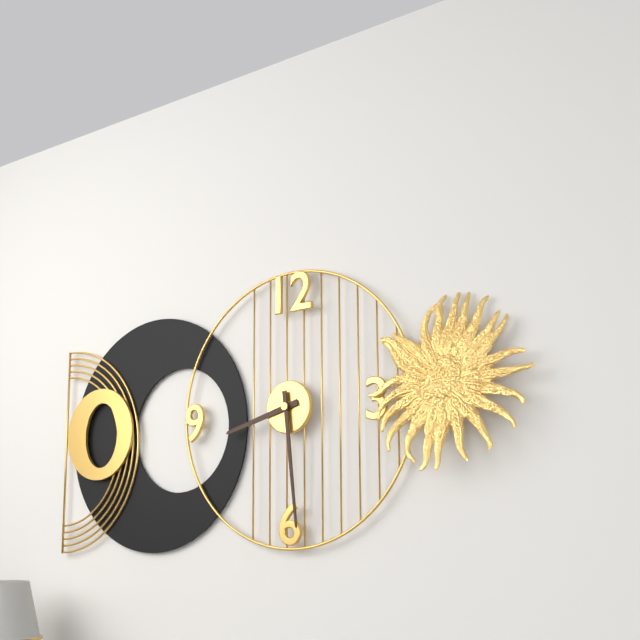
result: h=8 m=29
